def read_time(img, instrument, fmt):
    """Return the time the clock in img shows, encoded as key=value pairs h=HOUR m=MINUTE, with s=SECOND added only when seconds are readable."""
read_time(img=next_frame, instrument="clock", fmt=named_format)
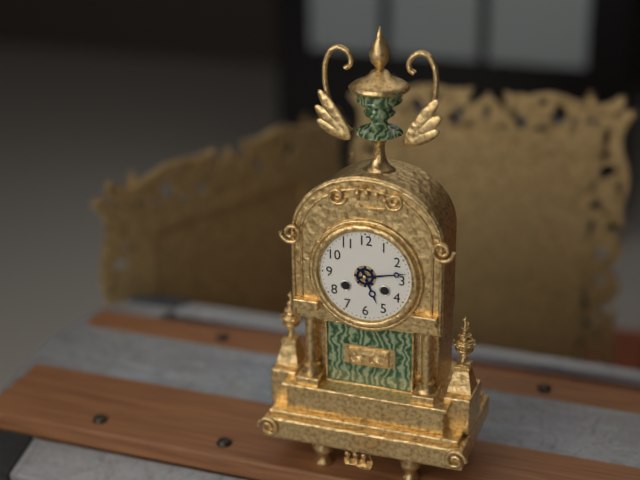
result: h=5 m=13
